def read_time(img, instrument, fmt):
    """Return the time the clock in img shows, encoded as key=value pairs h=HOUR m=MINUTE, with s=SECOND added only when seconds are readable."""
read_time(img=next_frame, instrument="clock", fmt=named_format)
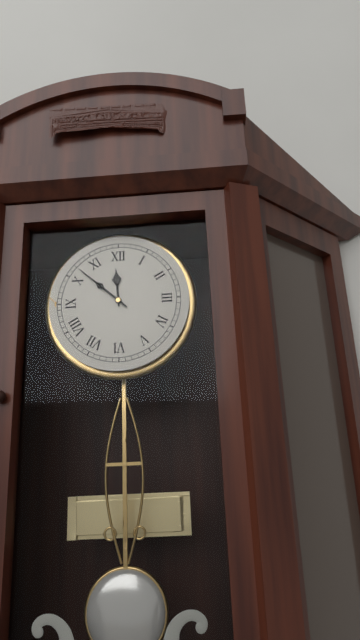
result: h=11 m=52
